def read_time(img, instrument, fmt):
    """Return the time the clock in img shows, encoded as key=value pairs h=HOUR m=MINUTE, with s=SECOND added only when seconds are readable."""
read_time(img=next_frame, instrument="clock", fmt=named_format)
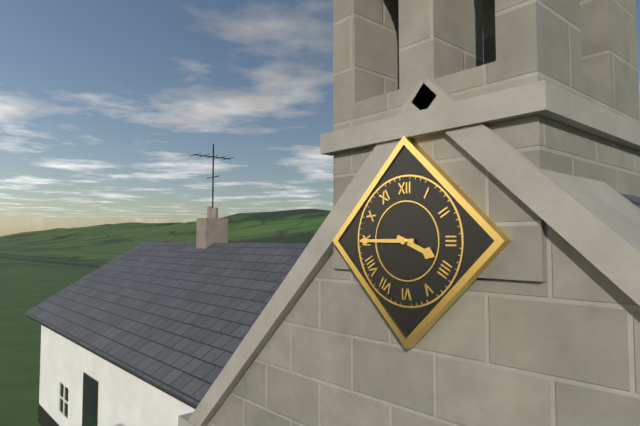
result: h=3 m=45
